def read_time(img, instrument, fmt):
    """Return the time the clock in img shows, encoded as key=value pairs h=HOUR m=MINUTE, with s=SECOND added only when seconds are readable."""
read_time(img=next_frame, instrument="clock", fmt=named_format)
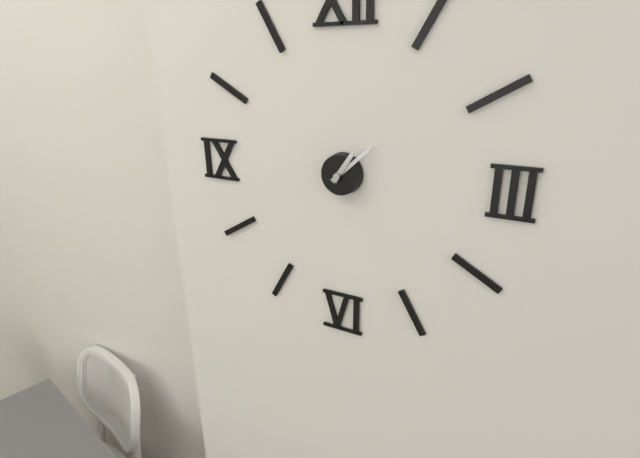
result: h=1 m=8
